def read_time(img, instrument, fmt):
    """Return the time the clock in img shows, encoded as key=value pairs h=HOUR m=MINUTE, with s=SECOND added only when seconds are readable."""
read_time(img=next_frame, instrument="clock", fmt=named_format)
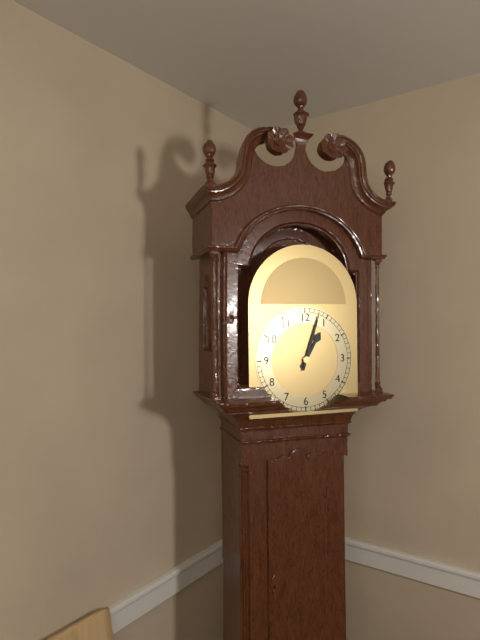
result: h=1 m=3
